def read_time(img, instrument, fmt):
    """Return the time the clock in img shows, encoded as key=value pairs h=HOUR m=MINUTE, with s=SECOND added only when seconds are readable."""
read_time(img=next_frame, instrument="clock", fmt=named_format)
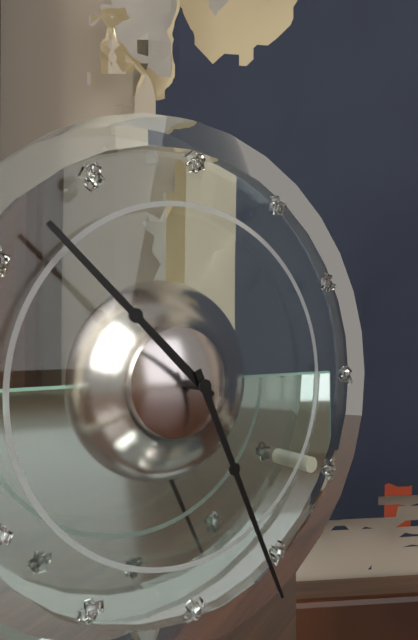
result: h=10 m=26
